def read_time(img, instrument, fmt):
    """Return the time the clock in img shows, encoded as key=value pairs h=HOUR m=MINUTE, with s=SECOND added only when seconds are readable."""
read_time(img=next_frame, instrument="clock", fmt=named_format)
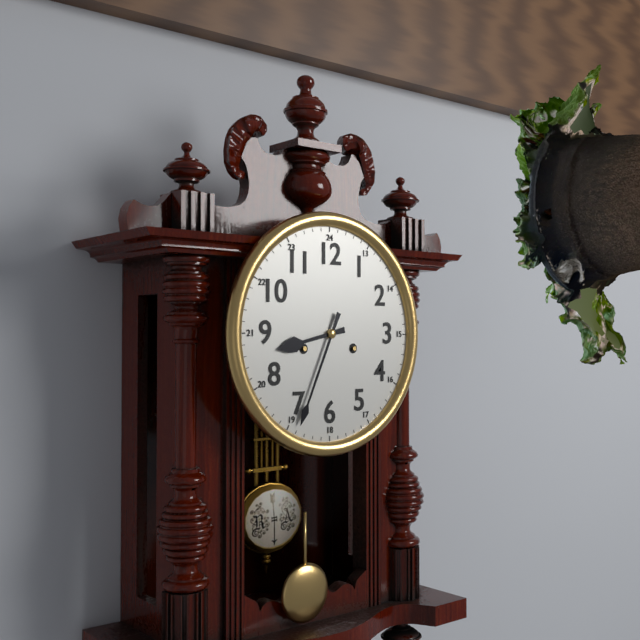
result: h=8 m=34
